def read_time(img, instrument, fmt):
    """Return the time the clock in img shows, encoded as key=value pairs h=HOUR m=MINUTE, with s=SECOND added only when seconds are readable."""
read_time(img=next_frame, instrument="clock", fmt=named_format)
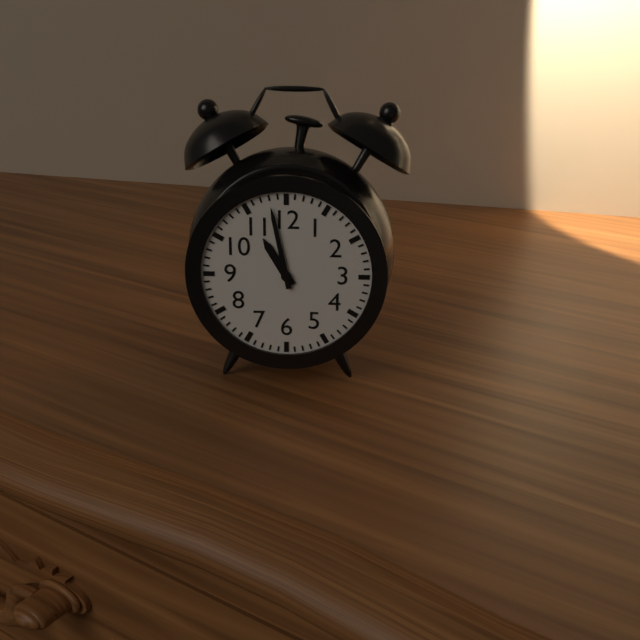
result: h=10 m=58
